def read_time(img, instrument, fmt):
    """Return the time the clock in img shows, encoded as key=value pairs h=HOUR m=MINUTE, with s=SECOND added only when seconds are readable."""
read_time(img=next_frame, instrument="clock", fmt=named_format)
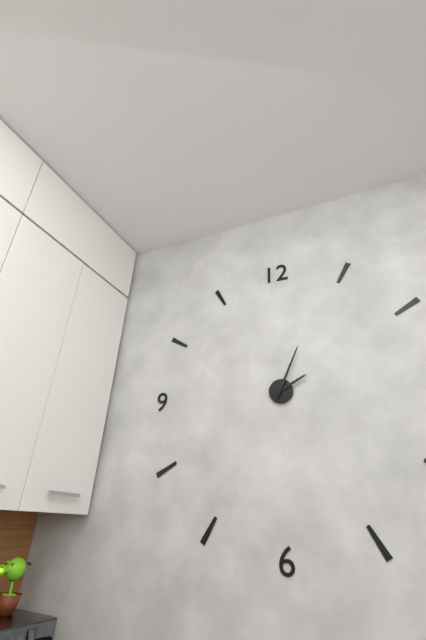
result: h=2 m=4
